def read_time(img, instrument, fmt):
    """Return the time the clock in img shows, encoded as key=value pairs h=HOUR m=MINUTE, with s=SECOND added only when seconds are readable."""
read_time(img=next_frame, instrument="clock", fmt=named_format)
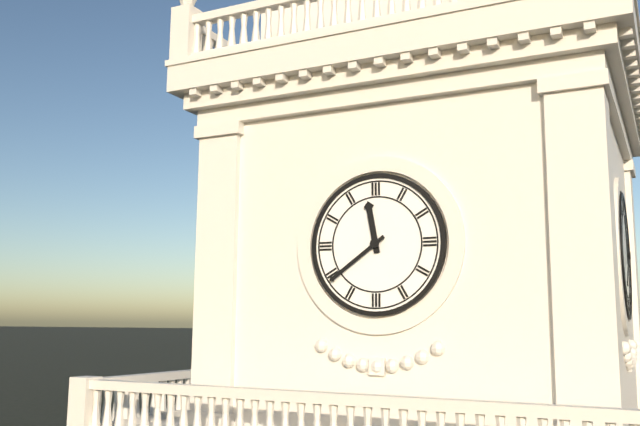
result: h=11 m=39
